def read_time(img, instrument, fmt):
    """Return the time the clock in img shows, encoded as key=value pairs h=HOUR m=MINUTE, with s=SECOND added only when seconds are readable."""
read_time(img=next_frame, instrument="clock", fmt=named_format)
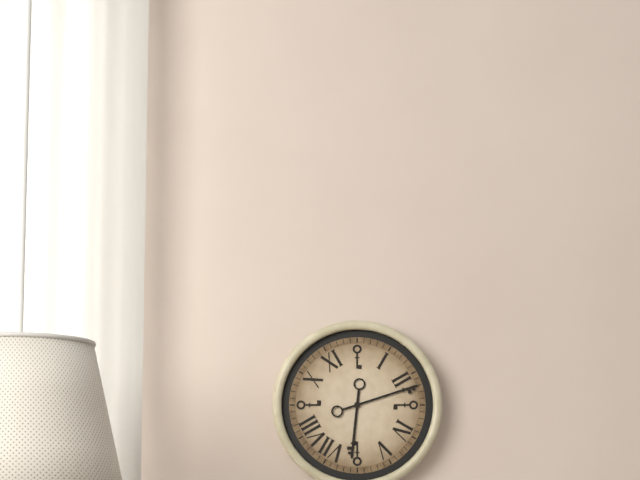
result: h=6 m=12
